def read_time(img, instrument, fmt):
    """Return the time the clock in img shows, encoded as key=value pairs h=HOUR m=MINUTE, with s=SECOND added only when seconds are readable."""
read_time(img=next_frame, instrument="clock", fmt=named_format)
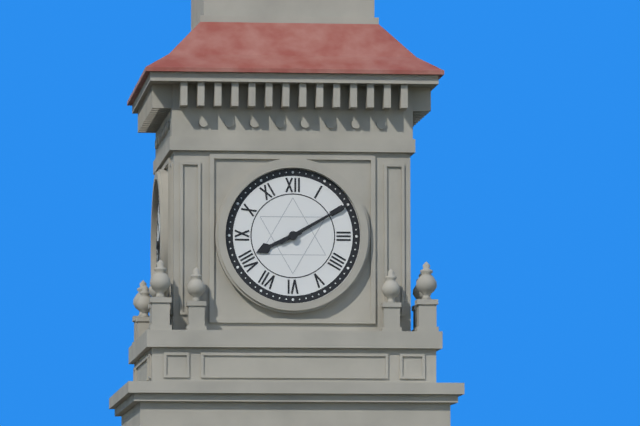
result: h=8 m=10
